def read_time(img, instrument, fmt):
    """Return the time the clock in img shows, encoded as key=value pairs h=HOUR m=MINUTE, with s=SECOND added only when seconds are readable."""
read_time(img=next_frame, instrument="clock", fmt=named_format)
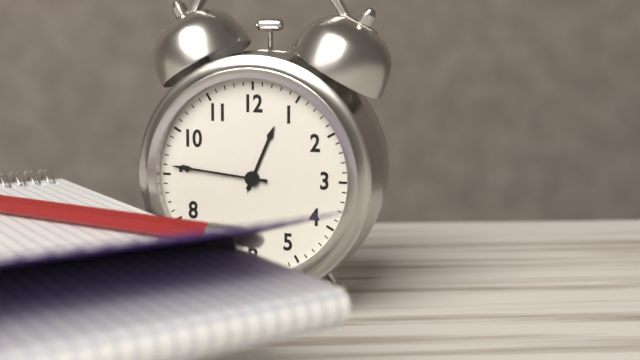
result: h=12 m=46
